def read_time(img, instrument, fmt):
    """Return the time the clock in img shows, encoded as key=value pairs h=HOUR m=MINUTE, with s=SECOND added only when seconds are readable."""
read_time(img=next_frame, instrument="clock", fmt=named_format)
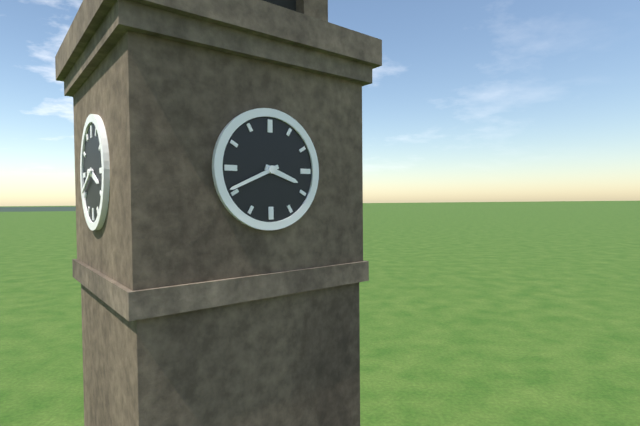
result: h=3 m=41
